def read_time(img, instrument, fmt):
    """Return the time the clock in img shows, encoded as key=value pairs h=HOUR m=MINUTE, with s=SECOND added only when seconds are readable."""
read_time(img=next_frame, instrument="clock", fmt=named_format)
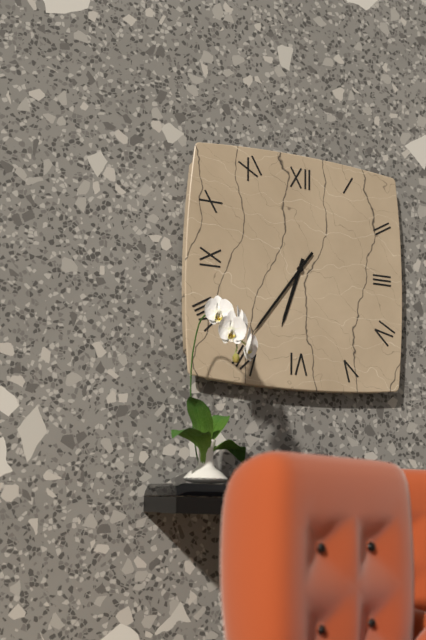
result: h=6 m=36
